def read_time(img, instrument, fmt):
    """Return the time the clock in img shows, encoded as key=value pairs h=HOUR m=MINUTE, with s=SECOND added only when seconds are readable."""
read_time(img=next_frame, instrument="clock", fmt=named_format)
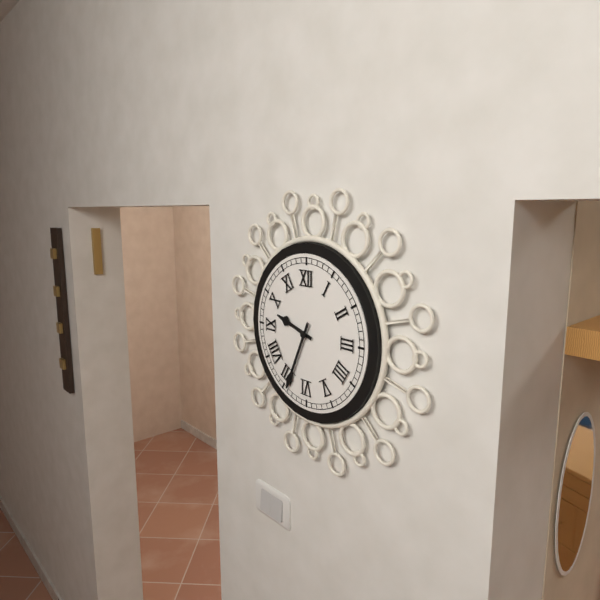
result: h=9 m=34
